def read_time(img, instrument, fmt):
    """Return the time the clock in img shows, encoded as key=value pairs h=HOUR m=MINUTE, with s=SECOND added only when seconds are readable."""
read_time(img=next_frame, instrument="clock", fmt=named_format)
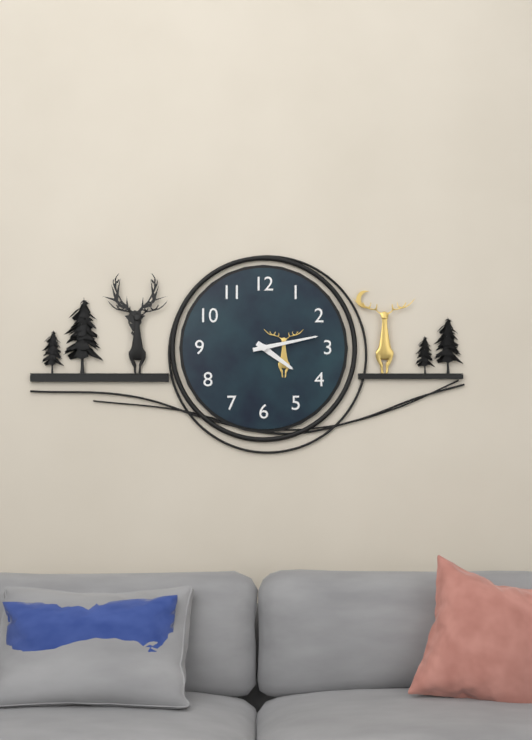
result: h=4 m=13
